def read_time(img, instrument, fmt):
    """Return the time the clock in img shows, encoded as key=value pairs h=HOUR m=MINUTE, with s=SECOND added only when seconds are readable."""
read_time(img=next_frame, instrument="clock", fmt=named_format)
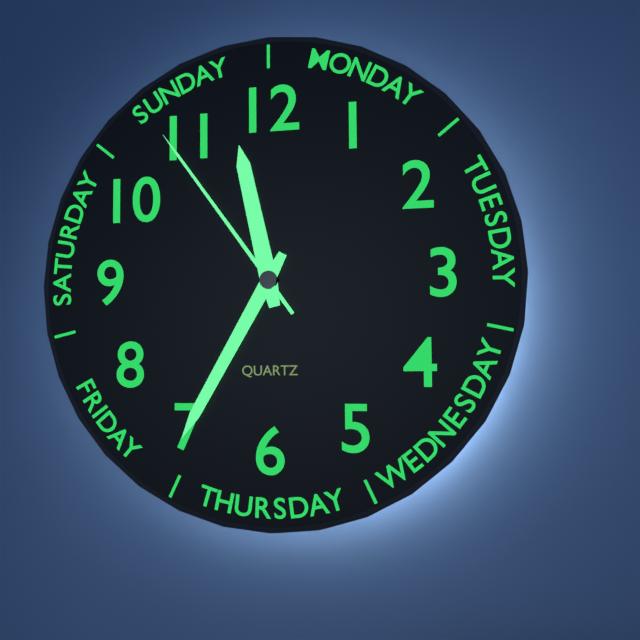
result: h=11 m=35 s=54
